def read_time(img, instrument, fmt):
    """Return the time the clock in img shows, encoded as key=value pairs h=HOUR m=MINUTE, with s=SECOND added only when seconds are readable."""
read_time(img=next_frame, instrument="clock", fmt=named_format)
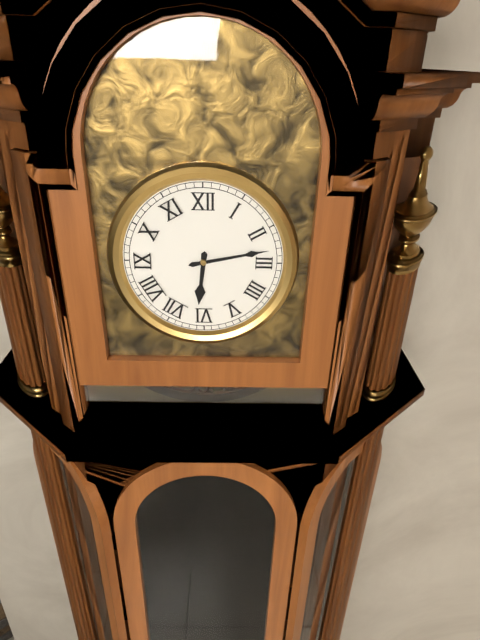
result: h=6 m=13
